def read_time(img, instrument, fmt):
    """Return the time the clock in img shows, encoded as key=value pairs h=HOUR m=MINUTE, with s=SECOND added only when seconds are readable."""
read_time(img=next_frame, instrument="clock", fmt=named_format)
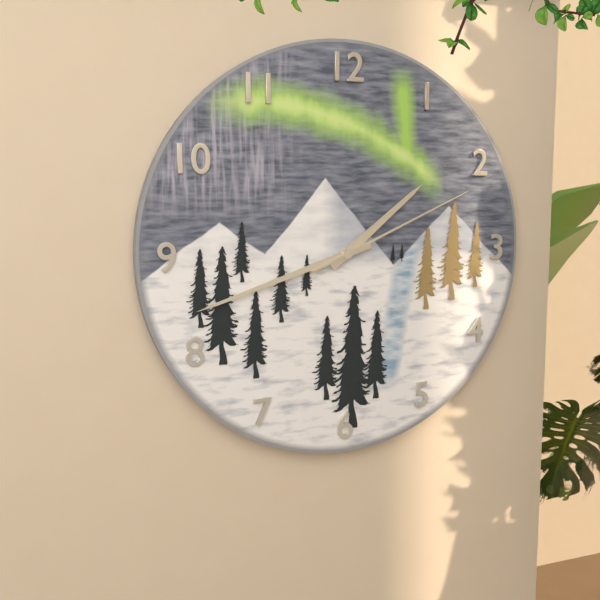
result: h=1 m=42 s=11
